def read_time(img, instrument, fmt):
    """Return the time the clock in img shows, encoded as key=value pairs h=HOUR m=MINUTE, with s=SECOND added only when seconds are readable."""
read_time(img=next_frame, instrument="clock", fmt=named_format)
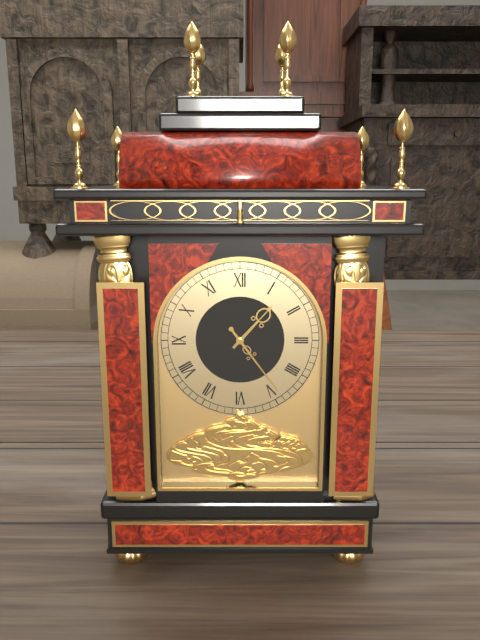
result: h=1 m=24
